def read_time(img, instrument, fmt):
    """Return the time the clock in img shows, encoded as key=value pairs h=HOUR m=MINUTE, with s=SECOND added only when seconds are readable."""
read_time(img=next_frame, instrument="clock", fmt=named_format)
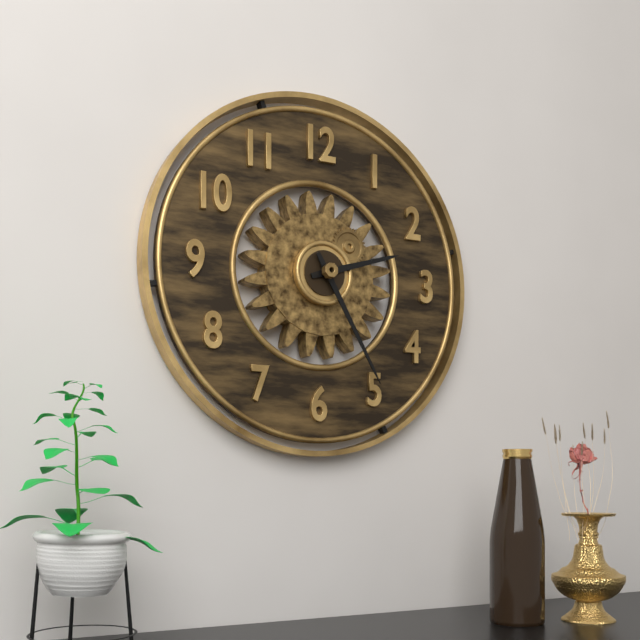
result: h=2 m=25
